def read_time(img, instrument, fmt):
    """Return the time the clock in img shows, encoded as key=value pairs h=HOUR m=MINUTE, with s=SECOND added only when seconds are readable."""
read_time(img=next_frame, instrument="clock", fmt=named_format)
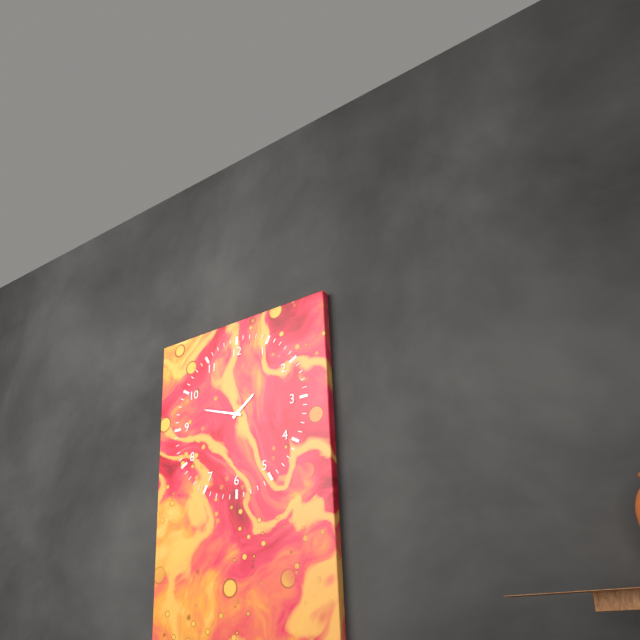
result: h=1 m=48
